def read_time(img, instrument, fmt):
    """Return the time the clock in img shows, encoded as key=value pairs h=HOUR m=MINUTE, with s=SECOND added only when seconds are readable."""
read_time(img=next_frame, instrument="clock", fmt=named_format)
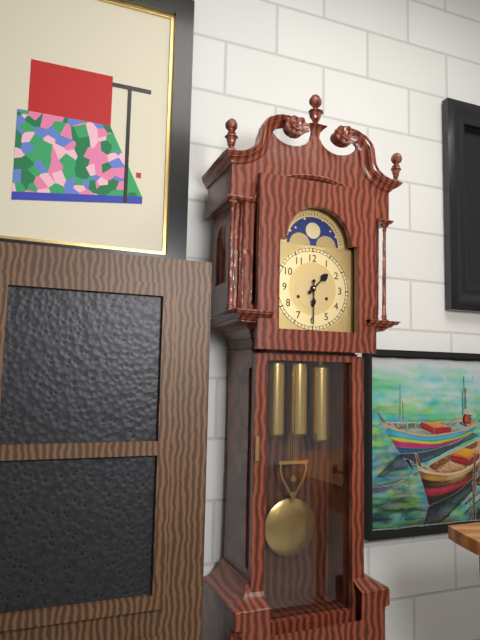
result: h=1 m=30
